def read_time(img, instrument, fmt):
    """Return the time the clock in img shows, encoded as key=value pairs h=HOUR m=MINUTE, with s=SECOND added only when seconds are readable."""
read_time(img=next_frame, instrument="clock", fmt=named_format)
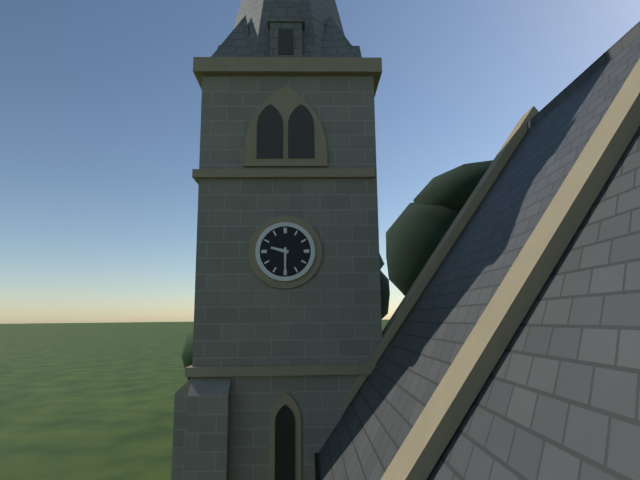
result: h=9 m=30
